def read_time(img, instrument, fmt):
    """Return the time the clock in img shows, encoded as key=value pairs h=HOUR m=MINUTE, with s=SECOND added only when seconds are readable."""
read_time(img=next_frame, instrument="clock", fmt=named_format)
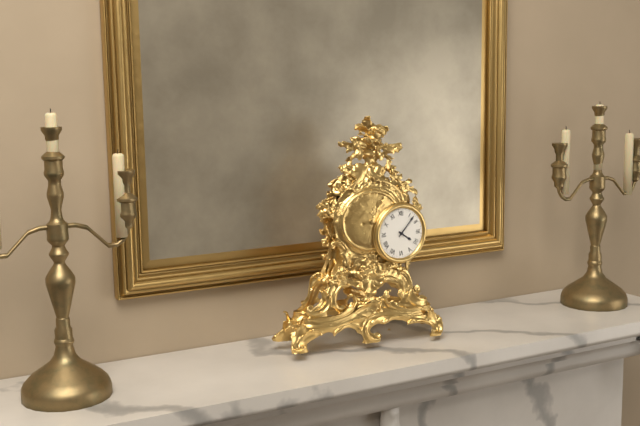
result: h=4 m=7
